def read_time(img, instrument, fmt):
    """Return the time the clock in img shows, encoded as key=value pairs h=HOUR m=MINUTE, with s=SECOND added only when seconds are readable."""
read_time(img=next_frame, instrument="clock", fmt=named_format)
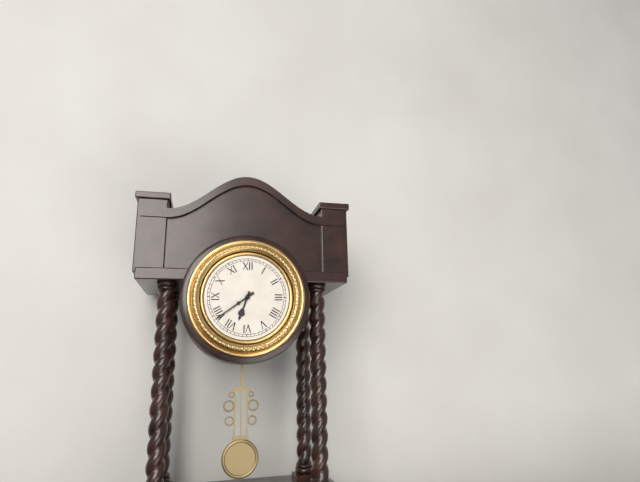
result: h=6 m=39
